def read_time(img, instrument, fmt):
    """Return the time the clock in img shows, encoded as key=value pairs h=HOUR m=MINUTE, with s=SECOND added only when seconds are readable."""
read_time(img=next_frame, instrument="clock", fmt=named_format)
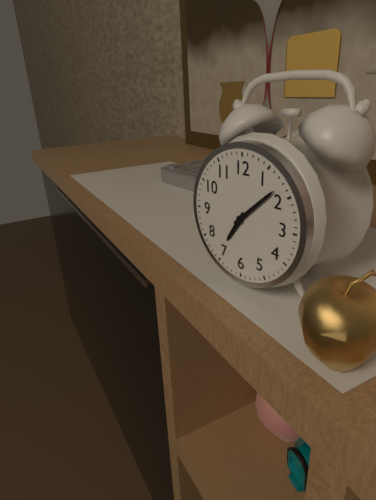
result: h=7 m=8
